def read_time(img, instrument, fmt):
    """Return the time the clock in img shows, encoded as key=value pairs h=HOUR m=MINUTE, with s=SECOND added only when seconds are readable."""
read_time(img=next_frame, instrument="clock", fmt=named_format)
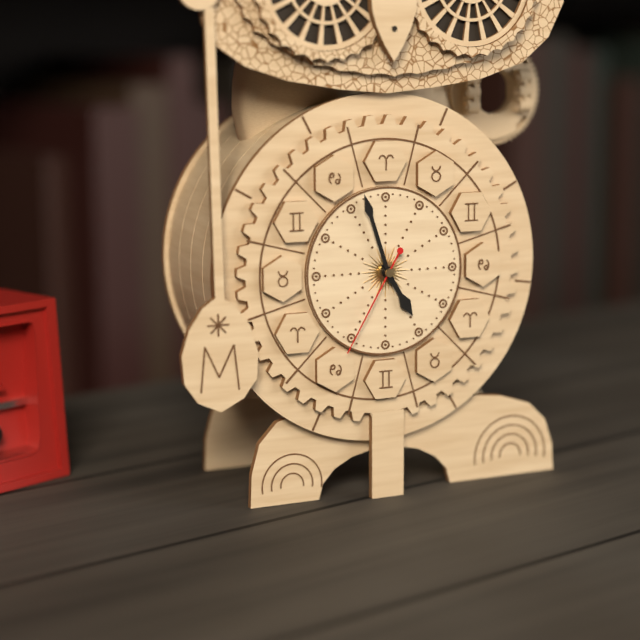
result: h=4 m=57 s=35
